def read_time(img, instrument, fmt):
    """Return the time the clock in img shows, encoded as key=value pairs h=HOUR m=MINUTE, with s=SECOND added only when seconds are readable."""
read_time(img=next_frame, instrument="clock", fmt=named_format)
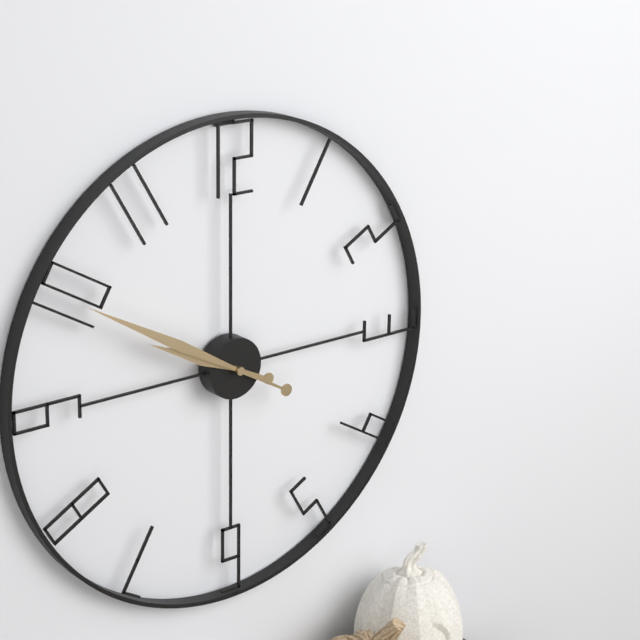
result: h=9 m=50
